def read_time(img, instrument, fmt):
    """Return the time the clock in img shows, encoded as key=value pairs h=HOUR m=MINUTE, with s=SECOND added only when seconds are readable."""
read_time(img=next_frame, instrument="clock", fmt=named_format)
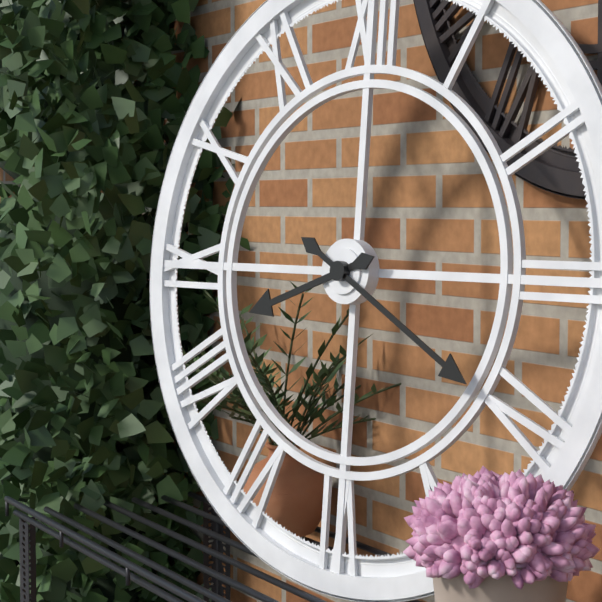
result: h=8 m=20
